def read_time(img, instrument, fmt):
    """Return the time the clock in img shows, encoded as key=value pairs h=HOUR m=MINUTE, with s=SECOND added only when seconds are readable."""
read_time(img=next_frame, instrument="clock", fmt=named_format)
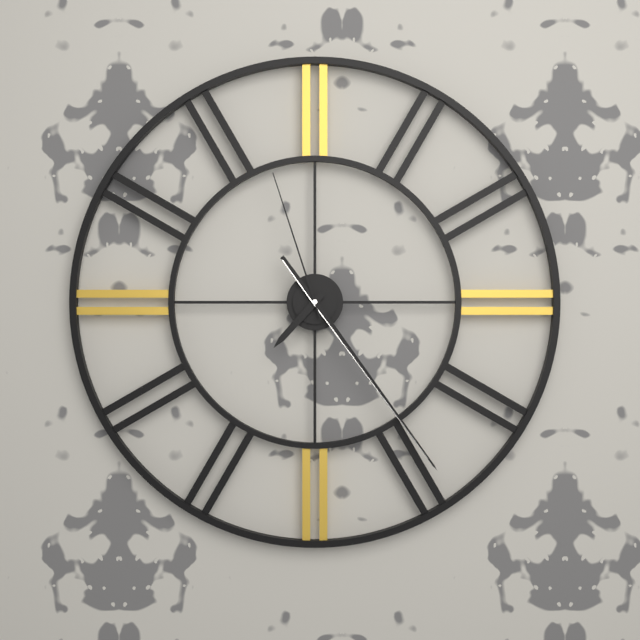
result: h=7 m=24 s=57
